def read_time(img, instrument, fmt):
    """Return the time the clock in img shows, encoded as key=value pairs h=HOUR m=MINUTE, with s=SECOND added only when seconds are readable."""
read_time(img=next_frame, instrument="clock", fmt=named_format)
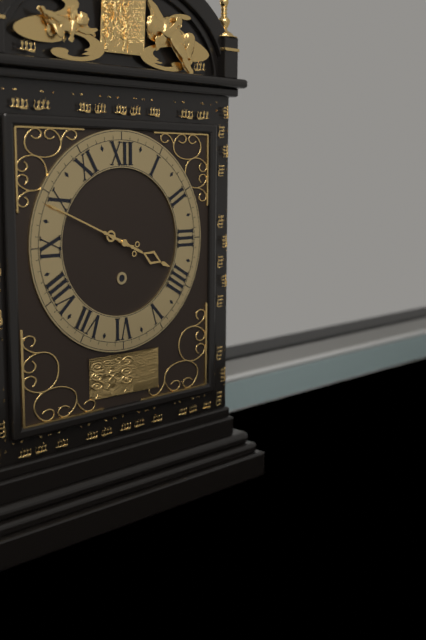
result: h=3 m=49
